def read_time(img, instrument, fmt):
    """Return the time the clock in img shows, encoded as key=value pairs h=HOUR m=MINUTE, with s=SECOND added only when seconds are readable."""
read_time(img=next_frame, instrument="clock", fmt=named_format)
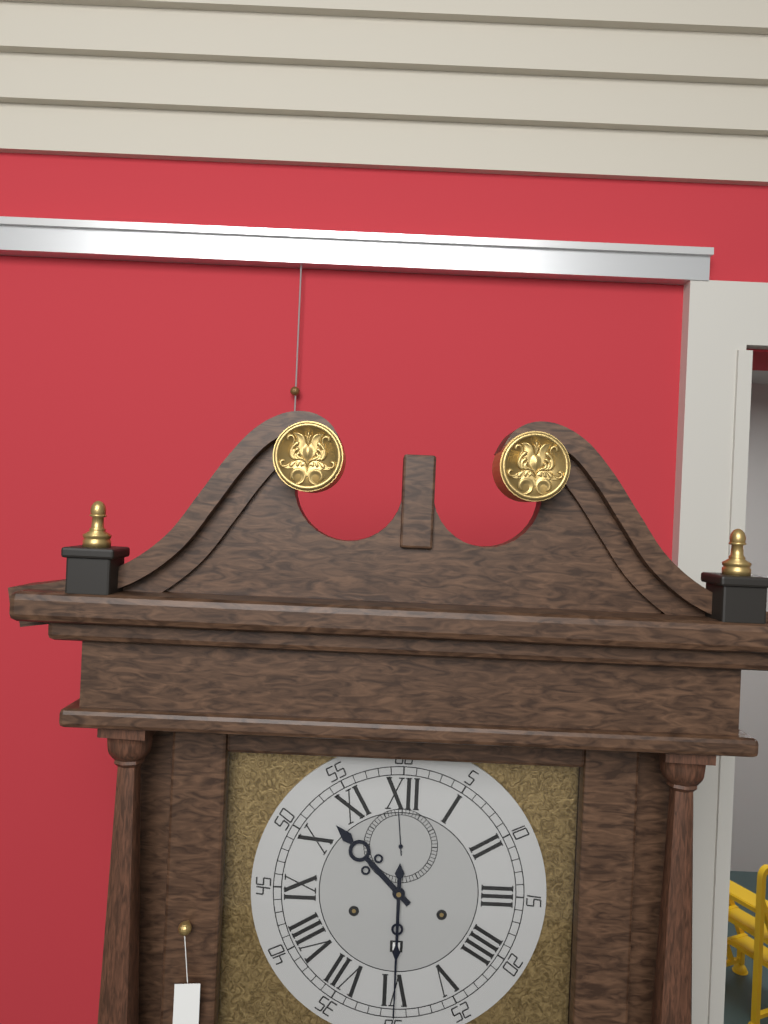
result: h=10 m=30
